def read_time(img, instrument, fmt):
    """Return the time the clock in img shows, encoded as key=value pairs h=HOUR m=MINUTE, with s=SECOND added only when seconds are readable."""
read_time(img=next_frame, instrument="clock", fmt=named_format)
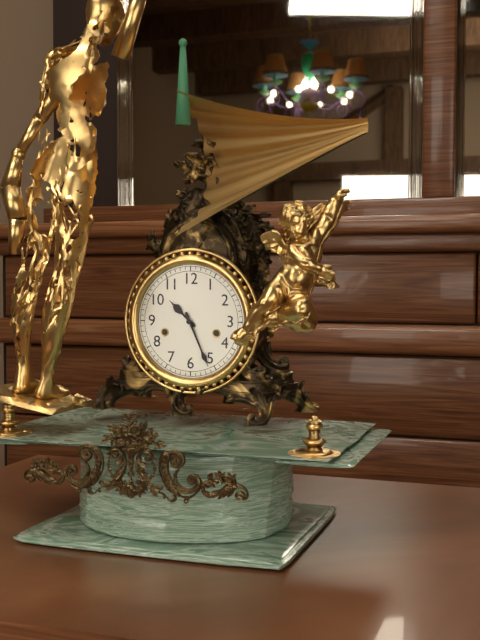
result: h=10 m=26
